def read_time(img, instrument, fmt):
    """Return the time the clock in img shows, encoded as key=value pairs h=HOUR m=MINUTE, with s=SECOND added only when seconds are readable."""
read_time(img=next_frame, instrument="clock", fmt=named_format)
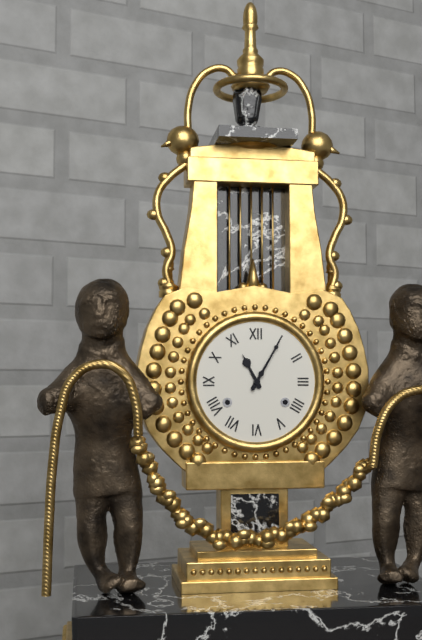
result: h=11 m=5
